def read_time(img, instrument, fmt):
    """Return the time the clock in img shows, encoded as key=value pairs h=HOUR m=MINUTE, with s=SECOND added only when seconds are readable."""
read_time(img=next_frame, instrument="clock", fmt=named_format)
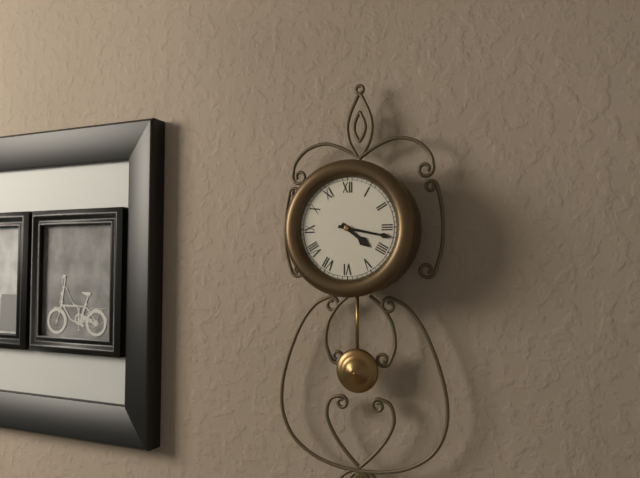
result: h=4 m=17
